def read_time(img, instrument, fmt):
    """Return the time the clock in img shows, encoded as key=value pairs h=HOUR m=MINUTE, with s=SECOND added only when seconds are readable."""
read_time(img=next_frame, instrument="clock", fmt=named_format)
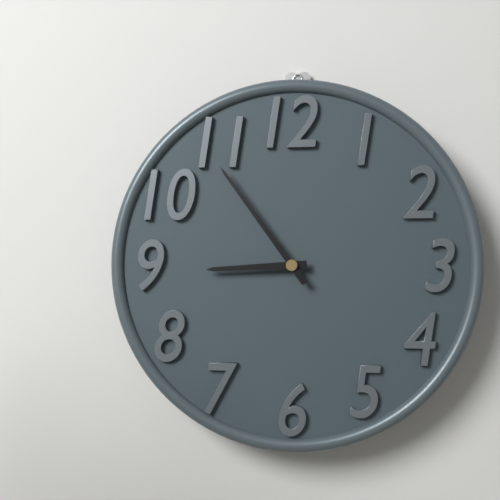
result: h=8 m=54
